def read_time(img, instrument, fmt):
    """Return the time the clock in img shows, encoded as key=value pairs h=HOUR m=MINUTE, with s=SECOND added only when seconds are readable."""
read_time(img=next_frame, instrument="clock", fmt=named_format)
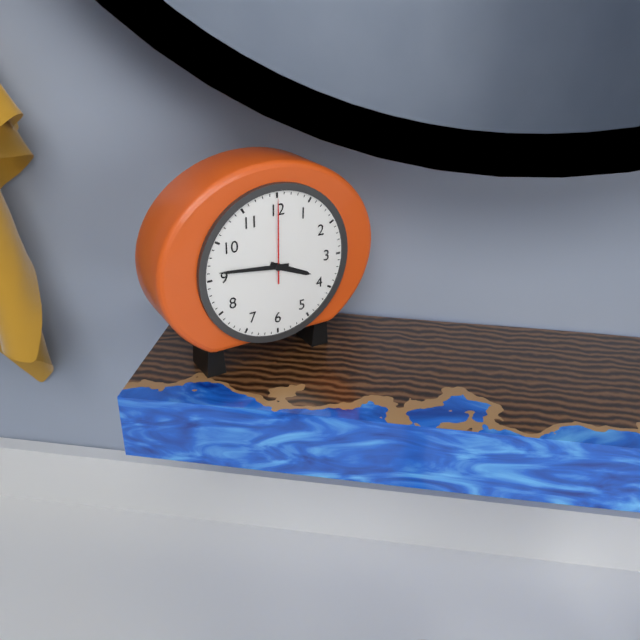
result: h=3 m=46 s=0
